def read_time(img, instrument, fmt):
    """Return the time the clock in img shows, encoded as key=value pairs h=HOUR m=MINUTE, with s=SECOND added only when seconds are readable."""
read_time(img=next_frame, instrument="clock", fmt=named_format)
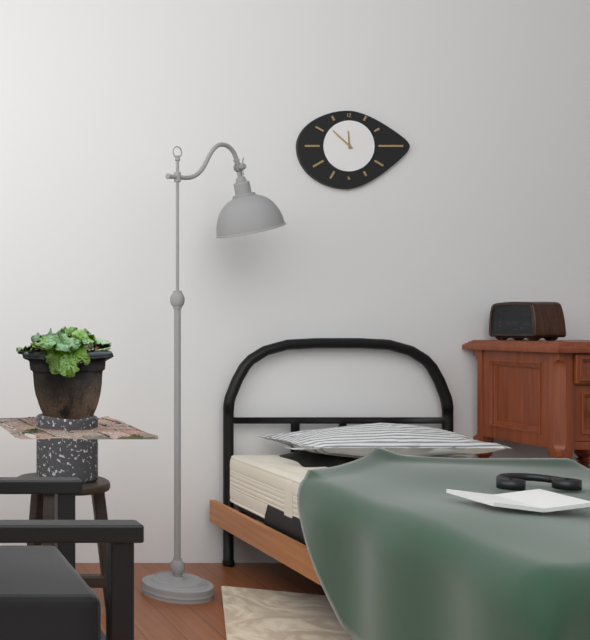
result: h=11 m=52
